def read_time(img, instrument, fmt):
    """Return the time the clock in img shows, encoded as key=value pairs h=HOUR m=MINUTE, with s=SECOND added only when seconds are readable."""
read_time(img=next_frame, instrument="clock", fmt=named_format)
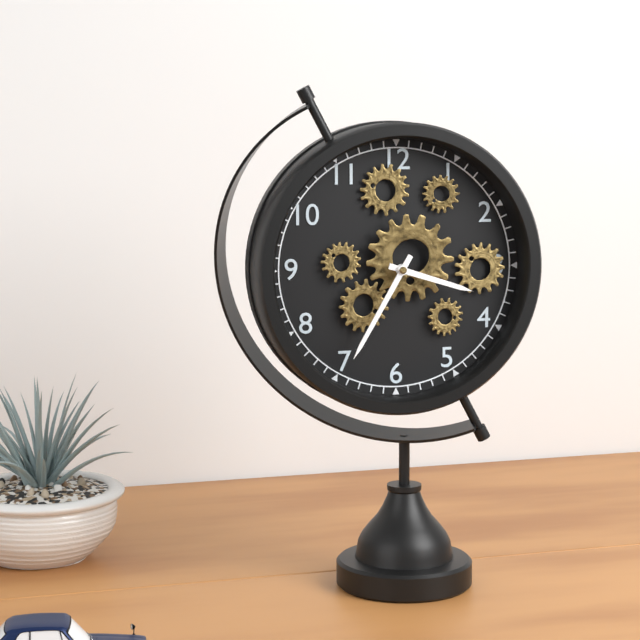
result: h=3 m=35
